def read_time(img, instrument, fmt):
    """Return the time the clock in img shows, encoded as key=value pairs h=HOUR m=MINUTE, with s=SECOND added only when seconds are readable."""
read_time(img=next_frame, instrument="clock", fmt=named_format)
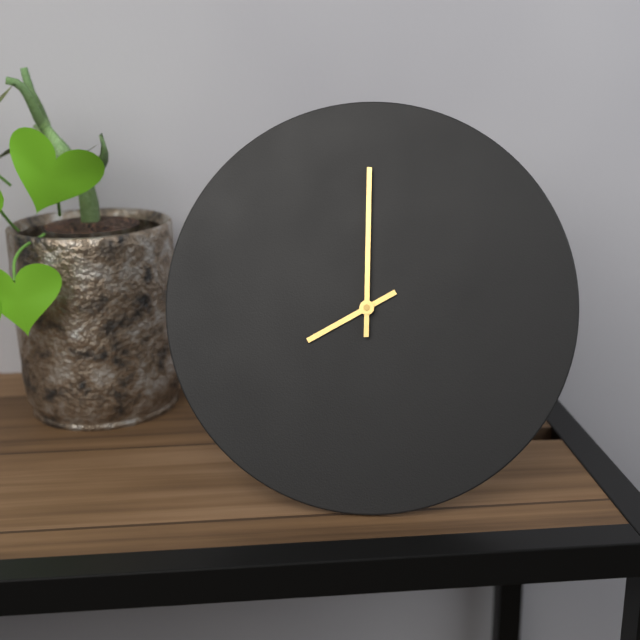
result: h=8 m=0
